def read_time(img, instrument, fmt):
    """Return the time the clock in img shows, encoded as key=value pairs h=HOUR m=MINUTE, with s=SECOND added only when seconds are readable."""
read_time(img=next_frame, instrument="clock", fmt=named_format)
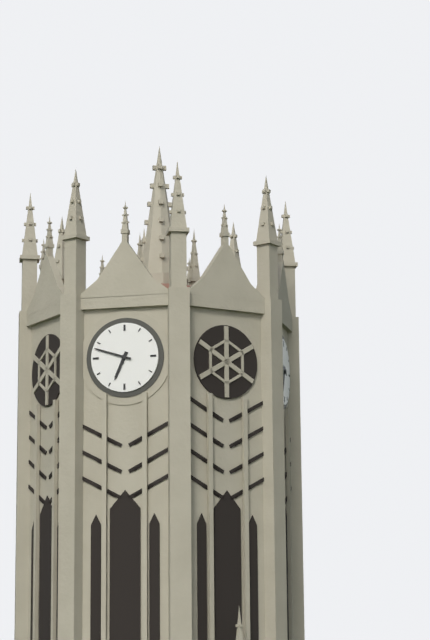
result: h=6 m=48
